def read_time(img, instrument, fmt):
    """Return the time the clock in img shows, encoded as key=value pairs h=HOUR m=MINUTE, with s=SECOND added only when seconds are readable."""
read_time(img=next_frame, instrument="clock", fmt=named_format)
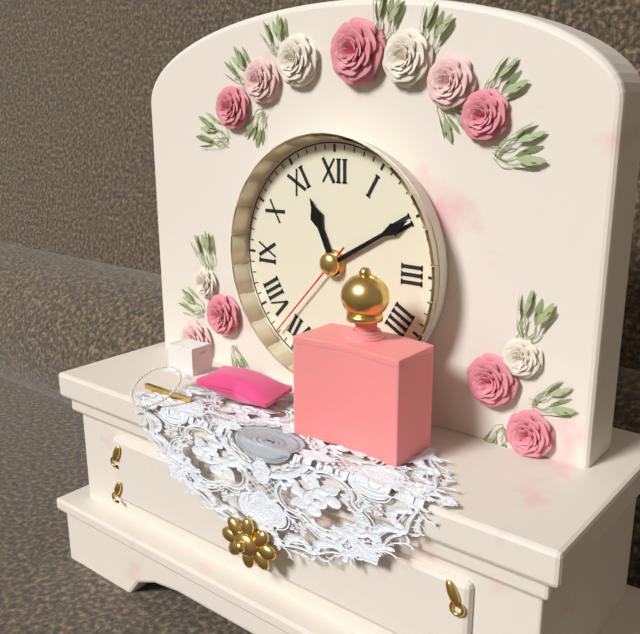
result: h=11 m=10 s=37
